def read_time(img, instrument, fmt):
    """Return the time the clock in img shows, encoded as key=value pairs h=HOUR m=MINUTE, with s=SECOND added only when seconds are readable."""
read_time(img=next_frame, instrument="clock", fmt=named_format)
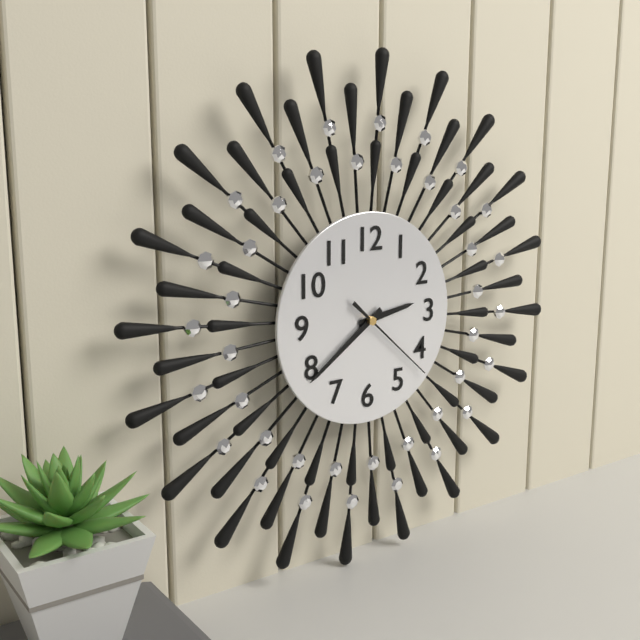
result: h=2 m=39 s=22
